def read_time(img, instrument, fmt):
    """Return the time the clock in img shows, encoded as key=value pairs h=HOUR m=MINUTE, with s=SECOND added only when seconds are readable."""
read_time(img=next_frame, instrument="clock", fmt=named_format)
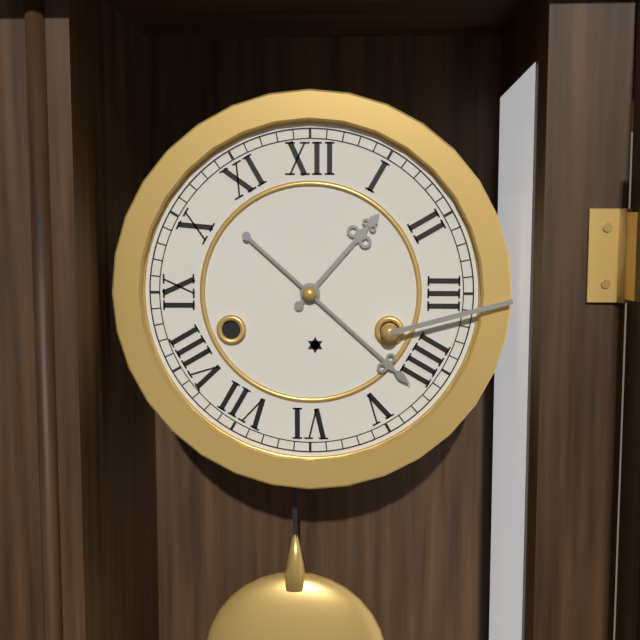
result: h=1 m=22
